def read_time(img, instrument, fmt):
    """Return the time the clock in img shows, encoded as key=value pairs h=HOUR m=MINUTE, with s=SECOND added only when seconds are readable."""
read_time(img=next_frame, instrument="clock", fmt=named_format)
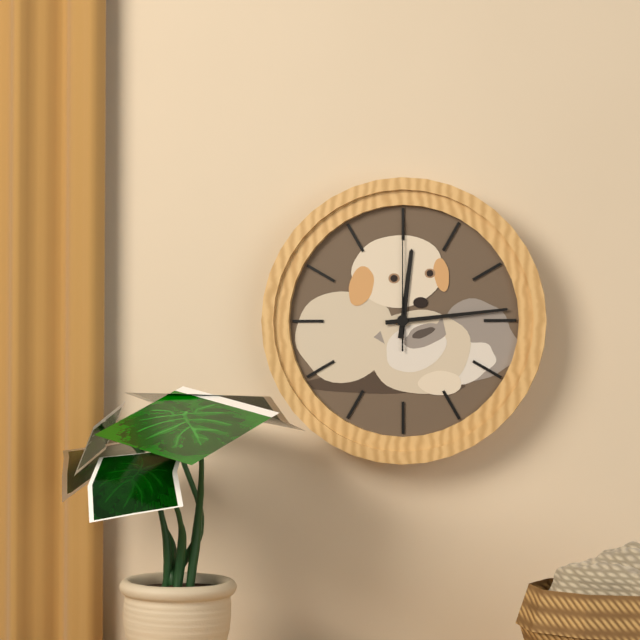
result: h=12 m=14 s=0
